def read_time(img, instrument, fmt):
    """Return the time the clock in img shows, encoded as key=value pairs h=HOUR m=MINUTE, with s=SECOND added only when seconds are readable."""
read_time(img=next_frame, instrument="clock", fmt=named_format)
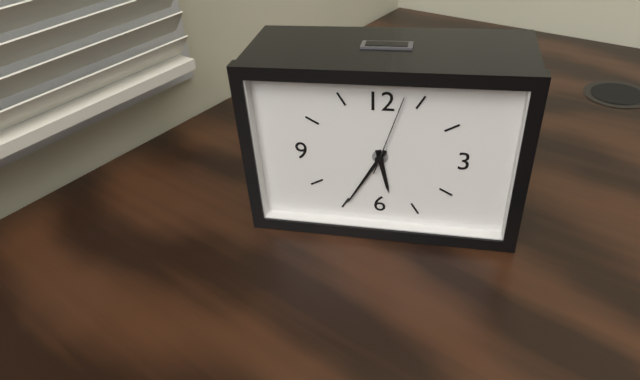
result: h=5 m=35 s=3
